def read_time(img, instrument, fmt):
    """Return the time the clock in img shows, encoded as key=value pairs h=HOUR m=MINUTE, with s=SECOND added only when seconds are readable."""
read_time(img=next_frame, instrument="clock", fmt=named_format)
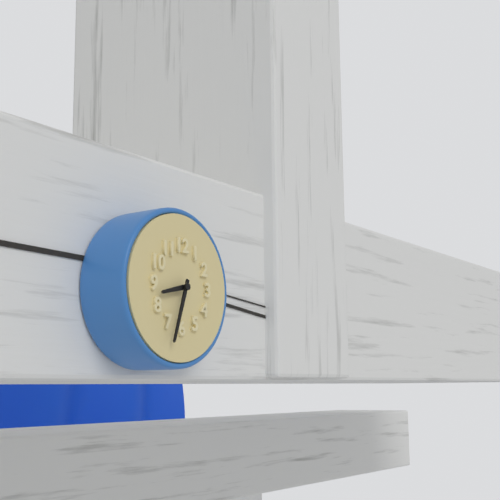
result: h=8 m=33
